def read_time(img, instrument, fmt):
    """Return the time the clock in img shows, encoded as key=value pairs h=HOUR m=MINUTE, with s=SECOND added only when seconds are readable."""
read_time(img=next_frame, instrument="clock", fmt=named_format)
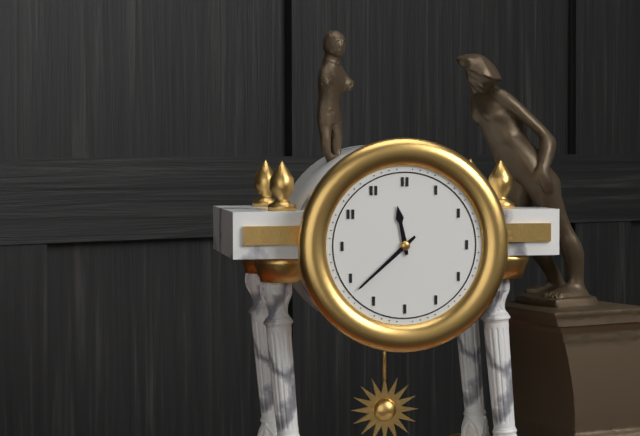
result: h=11 m=38
